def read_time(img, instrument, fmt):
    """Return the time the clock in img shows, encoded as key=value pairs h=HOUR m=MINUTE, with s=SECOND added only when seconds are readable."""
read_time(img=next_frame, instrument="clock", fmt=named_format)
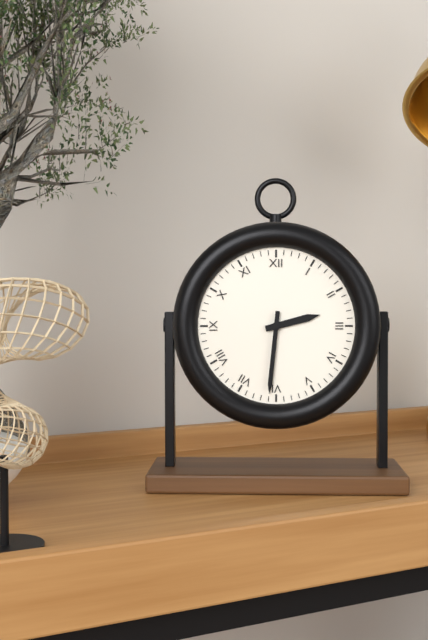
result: h=2 m=31
